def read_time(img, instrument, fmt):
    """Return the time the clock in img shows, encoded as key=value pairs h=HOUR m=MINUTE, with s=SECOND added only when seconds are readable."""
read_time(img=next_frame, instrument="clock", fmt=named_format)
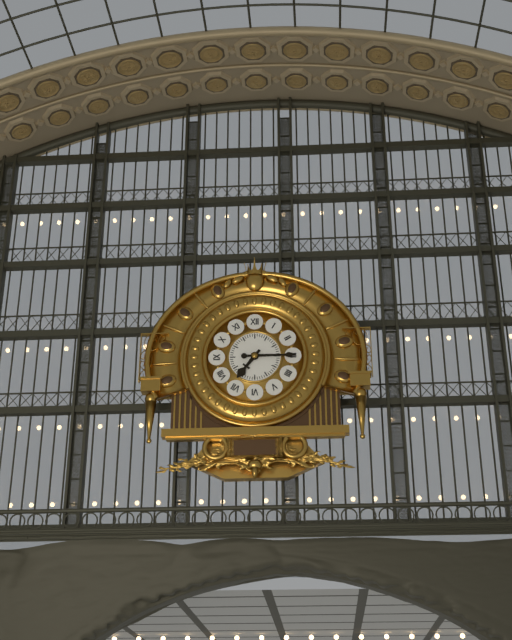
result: h=7 m=15
